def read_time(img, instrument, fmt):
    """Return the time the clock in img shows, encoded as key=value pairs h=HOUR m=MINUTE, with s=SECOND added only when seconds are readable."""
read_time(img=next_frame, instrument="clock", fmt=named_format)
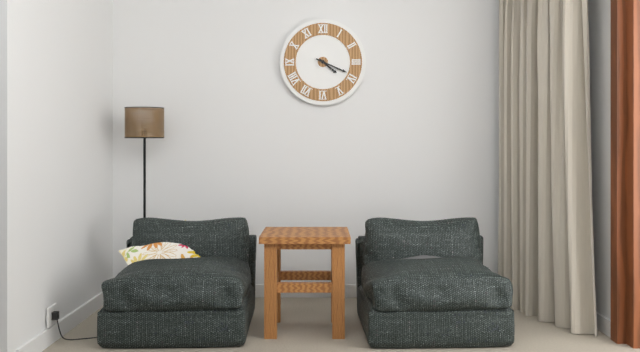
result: h=4 m=19
